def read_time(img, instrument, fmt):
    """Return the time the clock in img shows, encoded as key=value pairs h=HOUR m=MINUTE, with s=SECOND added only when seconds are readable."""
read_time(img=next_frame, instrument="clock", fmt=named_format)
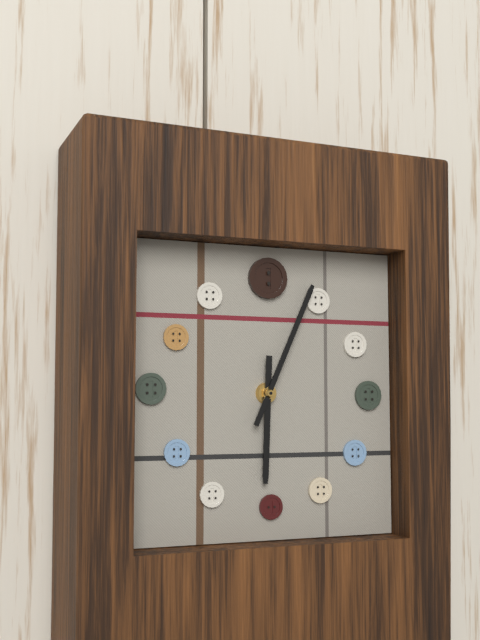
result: h=6 m=4
